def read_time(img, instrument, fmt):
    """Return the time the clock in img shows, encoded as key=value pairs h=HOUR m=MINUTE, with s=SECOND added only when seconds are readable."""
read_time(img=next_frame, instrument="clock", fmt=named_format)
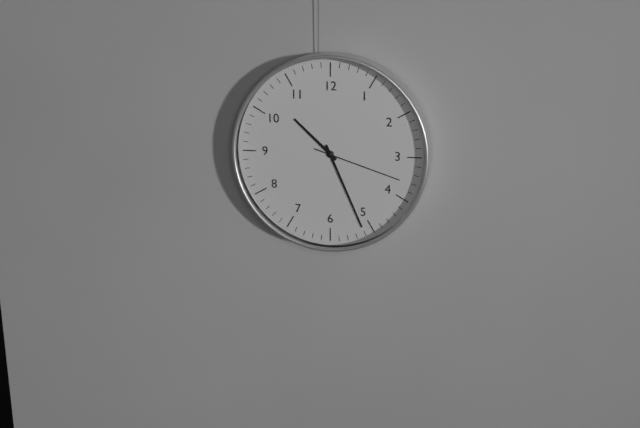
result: h=10 m=26 s=18
